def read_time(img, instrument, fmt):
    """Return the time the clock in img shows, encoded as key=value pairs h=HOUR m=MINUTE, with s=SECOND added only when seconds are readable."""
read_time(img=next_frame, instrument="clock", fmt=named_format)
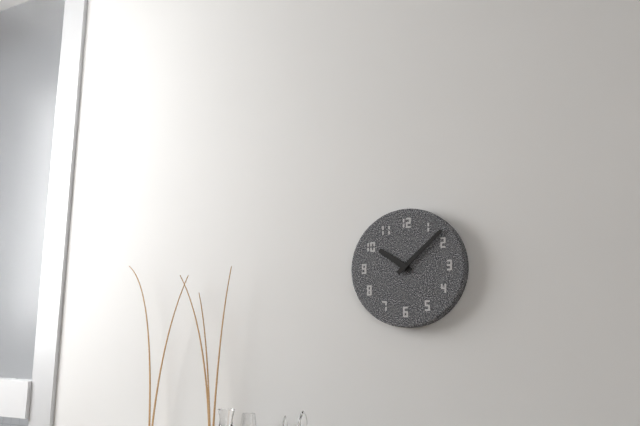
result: h=10 m=8
